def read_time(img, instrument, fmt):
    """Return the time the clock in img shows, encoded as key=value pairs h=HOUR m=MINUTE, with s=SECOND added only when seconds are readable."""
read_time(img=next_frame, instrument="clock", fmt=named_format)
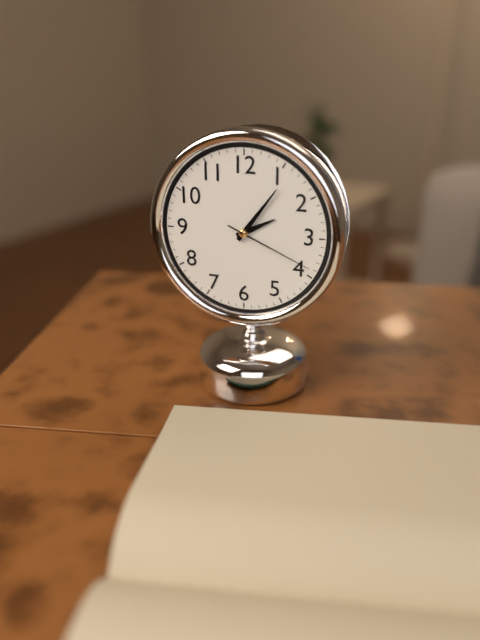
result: h=2 m=6 s=19
